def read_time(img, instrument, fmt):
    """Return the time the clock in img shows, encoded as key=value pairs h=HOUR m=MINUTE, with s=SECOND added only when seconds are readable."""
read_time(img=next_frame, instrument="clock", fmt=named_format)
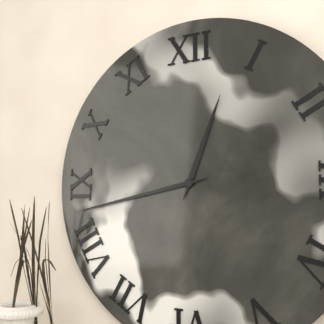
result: h=12 m=43
